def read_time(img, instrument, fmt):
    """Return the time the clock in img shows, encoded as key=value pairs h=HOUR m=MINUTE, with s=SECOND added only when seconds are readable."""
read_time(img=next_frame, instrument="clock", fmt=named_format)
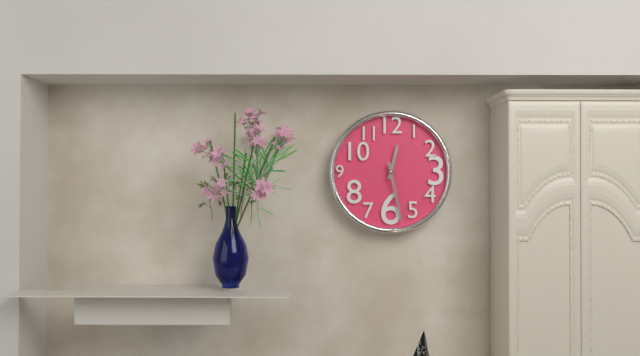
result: h=12 m=28
